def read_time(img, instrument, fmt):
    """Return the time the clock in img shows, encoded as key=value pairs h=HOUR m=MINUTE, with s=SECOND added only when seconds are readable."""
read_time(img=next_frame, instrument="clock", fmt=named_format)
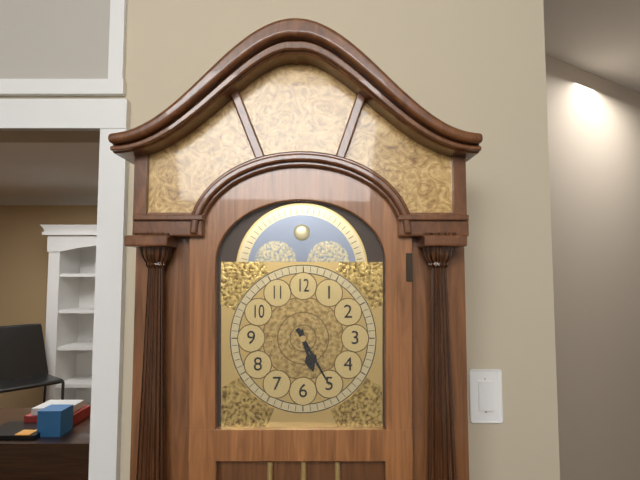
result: h=5 m=25
